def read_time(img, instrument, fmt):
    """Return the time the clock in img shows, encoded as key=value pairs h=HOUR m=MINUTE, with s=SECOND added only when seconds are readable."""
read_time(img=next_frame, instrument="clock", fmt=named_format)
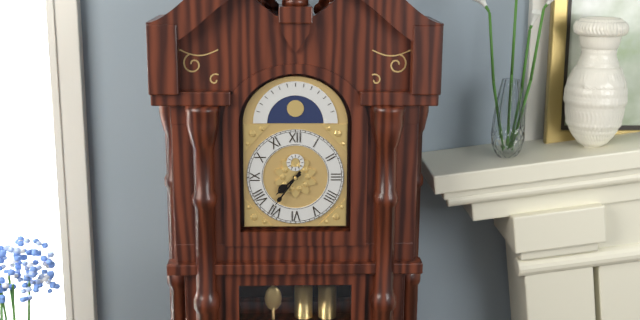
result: h=7 m=36
